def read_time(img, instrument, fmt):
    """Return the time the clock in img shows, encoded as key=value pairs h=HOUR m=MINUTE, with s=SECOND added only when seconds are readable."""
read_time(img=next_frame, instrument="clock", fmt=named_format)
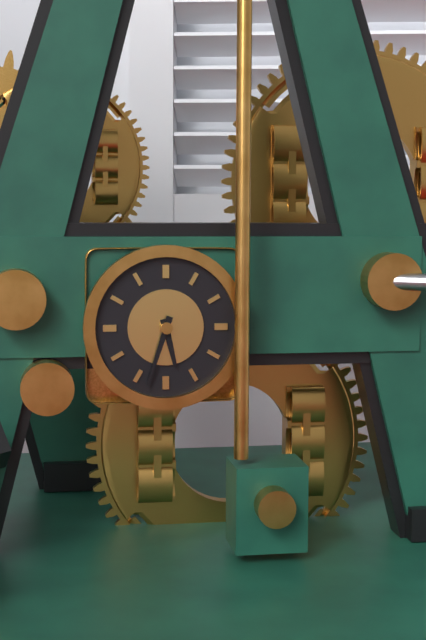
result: h=5 m=33
